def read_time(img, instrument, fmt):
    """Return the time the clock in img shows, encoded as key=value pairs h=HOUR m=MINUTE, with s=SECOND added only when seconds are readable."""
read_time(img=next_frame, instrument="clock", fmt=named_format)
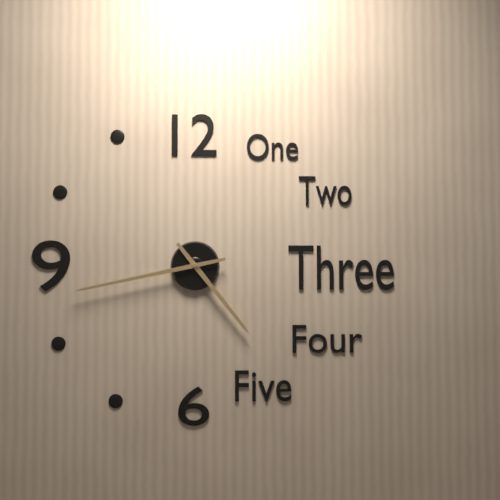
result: h=4 m=43
